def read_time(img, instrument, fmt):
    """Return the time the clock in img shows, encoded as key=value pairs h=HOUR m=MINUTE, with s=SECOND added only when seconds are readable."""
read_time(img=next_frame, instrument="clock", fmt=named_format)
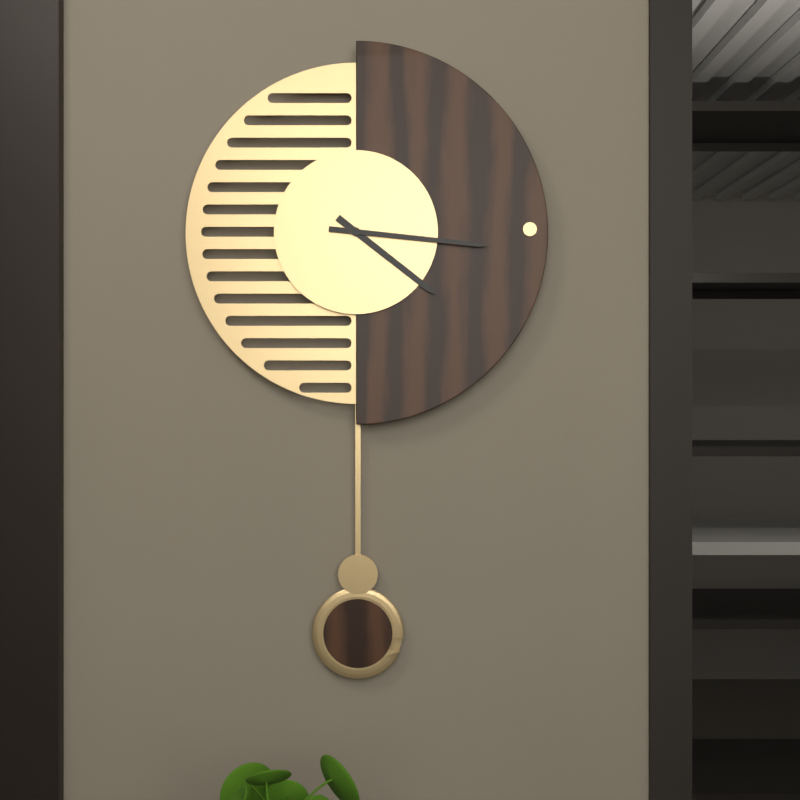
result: h=4 m=16
